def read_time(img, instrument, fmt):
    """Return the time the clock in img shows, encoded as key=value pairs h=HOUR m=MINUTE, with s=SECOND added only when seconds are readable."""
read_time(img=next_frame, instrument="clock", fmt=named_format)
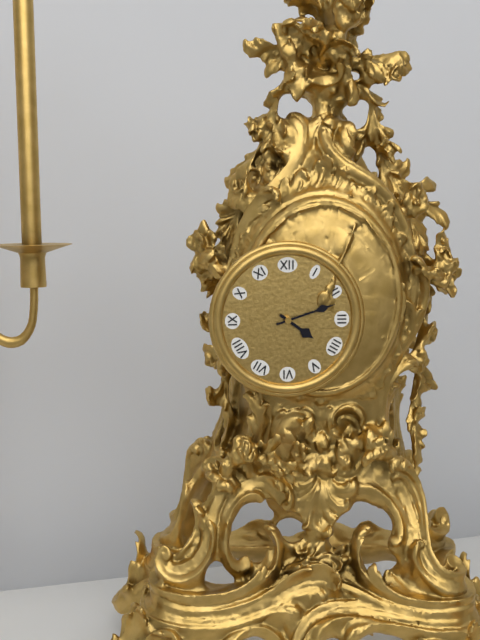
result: h=4 m=12
